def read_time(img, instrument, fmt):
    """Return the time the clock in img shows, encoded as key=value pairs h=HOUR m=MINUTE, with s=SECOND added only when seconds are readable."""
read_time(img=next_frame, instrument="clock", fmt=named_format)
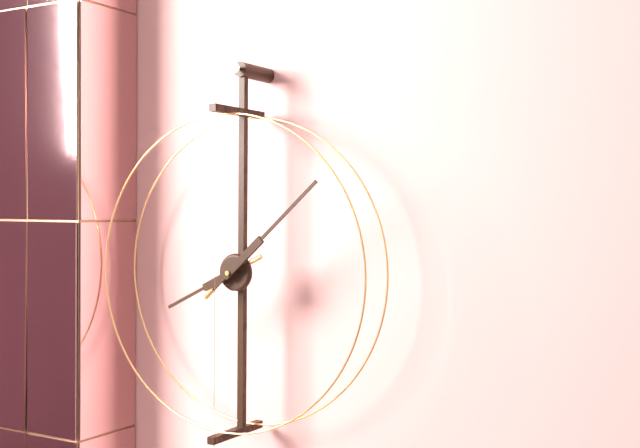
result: h=8 m=8
